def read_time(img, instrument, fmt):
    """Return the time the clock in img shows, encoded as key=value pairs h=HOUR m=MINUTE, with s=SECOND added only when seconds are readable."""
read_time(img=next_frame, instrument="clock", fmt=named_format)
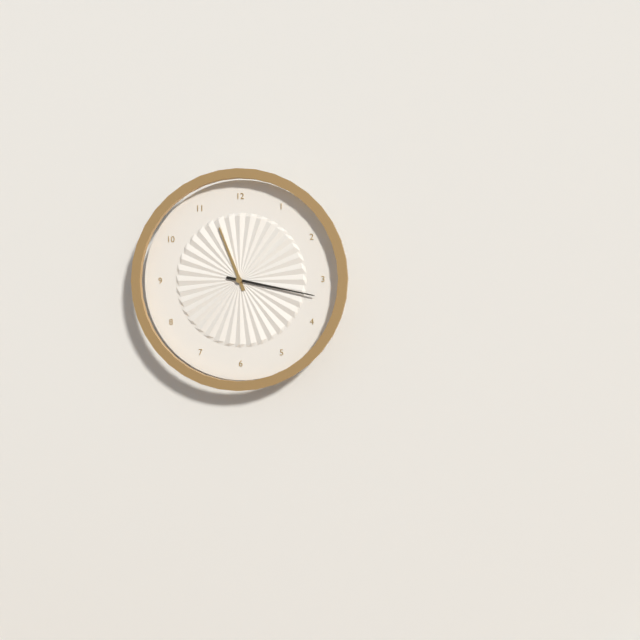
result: h=11 m=17
